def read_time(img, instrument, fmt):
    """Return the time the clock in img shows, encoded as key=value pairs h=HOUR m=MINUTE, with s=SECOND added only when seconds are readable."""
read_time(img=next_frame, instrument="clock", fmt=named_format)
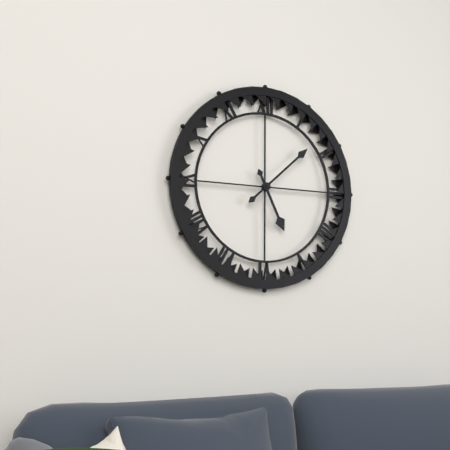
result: h=5 m=8
